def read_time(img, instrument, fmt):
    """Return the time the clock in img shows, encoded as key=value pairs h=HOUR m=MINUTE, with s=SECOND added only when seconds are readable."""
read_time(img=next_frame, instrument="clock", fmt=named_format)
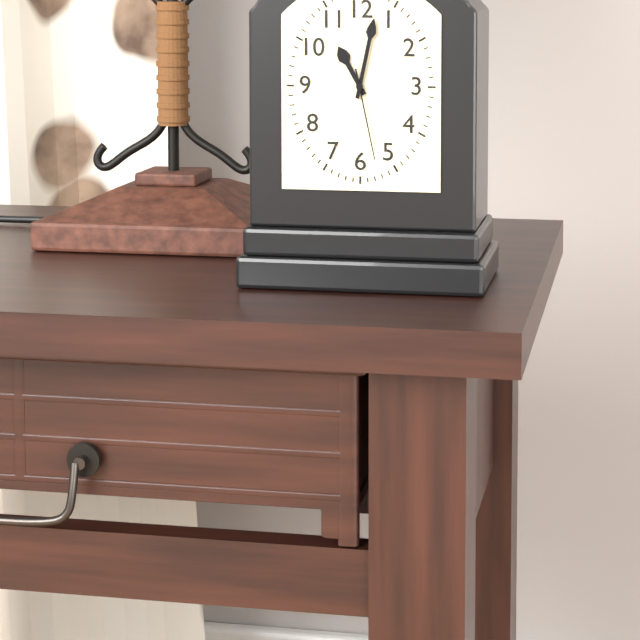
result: h=11 m=2 s=28
